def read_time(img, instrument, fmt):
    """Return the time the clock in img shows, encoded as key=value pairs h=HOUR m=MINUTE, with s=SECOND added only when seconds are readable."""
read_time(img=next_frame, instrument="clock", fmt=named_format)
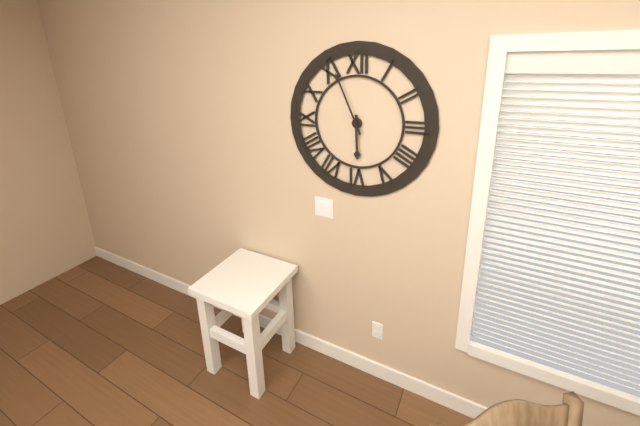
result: h=5 m=56
